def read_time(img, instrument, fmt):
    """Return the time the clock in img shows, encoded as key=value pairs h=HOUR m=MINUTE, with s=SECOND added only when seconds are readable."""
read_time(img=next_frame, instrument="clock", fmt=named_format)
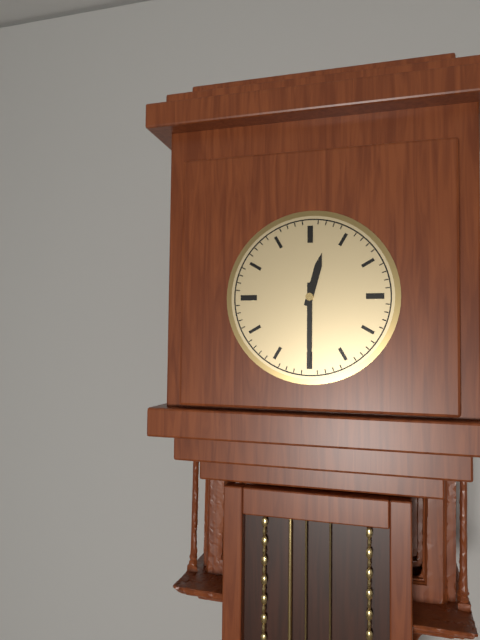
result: h=12 m=30
